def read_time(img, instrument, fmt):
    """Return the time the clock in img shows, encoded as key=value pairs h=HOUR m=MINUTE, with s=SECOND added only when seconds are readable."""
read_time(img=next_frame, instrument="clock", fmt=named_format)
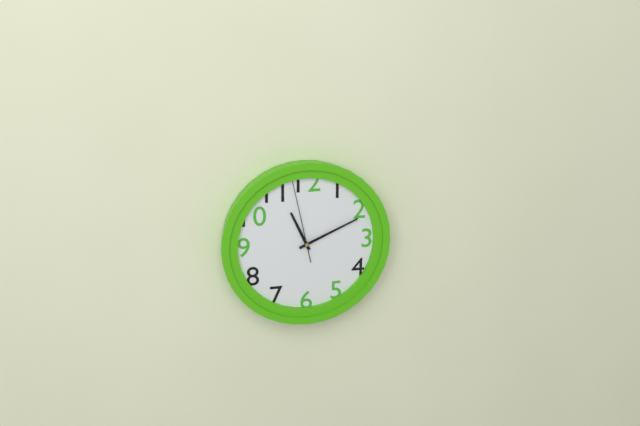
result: h=11 m=11 s=58
